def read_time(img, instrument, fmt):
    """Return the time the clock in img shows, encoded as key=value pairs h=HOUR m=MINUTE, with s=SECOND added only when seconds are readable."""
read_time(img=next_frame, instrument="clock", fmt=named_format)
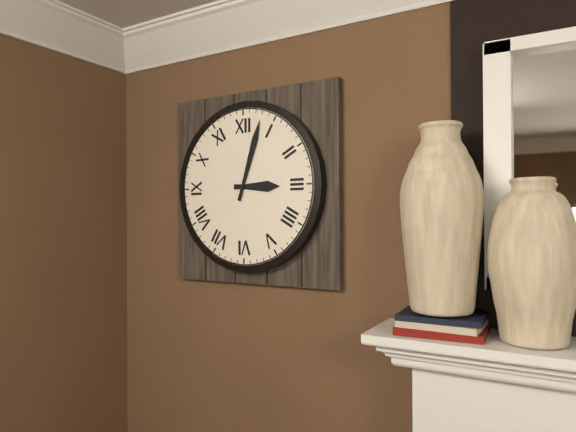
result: h=3 m=3
